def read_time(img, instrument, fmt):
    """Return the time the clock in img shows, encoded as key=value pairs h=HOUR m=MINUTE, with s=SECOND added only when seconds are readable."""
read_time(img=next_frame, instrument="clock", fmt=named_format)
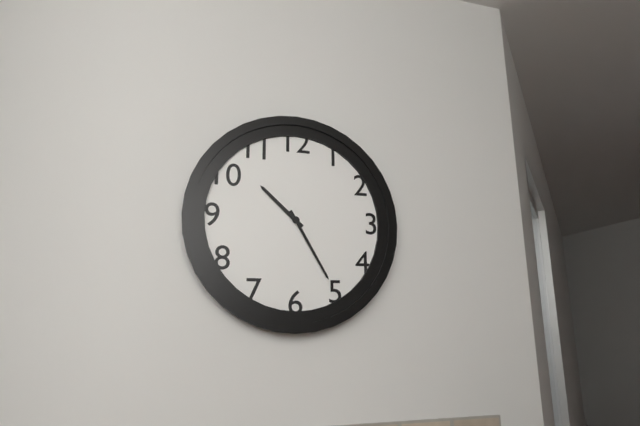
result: h=10 m=25
